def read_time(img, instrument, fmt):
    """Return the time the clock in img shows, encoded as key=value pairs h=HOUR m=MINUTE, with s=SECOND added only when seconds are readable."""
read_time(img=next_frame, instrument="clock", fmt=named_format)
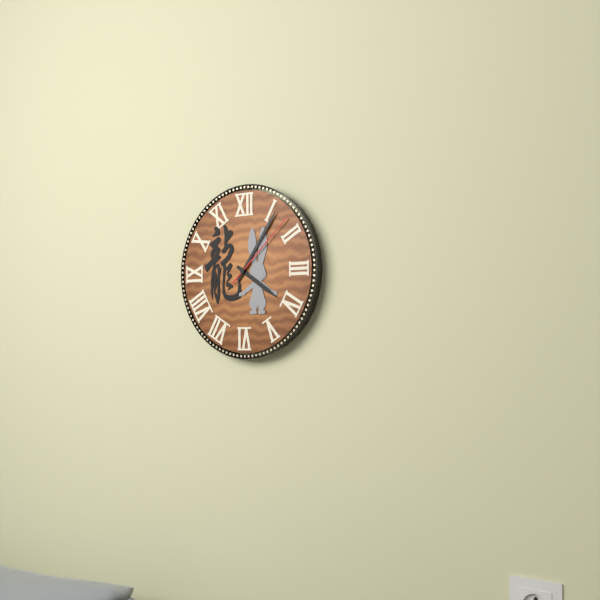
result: h=4 m=6 s=8
